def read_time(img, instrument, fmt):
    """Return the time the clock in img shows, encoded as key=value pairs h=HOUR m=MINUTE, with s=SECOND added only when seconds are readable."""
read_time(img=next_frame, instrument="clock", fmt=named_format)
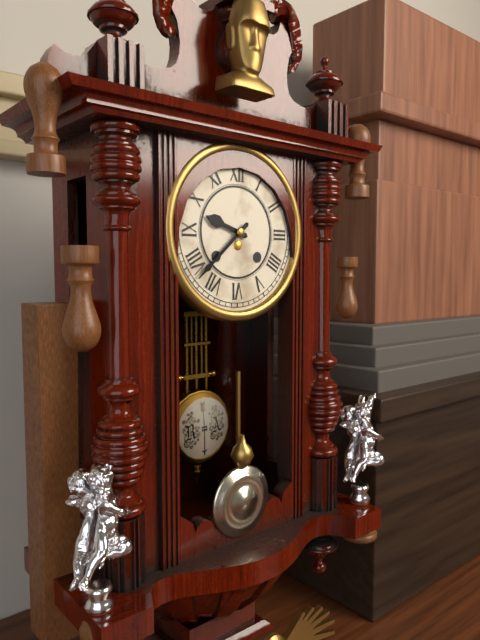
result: h=9 m=38
